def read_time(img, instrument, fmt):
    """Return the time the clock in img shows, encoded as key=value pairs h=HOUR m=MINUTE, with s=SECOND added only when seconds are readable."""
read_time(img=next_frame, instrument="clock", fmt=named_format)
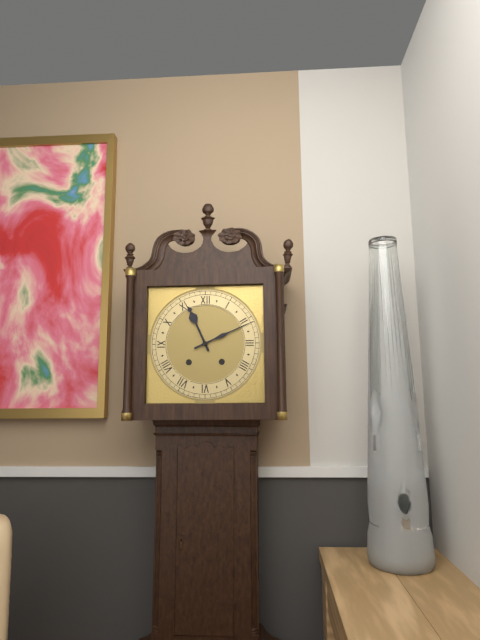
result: h=11 m=11
